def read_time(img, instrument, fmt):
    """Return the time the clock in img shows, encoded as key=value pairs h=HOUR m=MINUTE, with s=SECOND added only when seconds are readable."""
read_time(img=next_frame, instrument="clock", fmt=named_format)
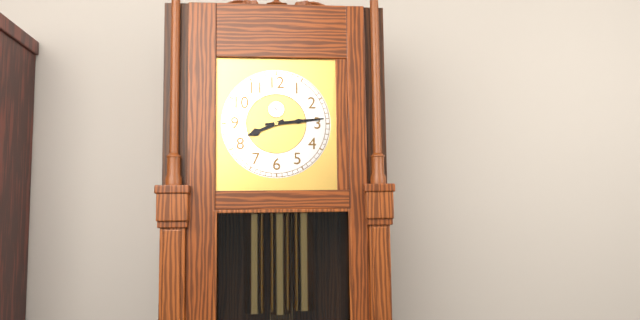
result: h=8 m=14
